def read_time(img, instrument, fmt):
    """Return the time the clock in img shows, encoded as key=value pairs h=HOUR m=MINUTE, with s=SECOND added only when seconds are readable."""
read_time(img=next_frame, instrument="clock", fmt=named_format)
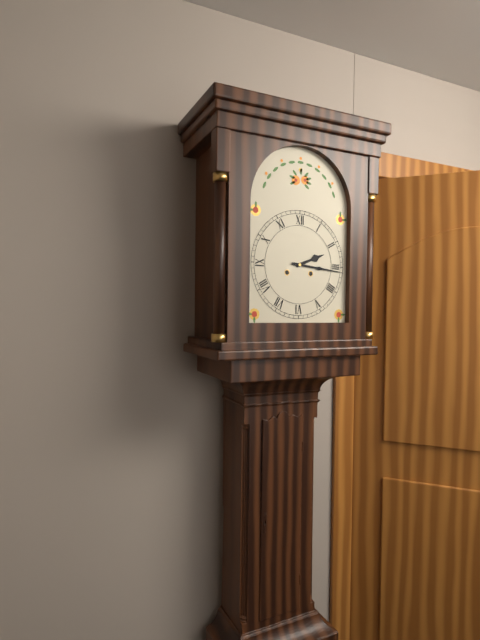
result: h=2 m=16
